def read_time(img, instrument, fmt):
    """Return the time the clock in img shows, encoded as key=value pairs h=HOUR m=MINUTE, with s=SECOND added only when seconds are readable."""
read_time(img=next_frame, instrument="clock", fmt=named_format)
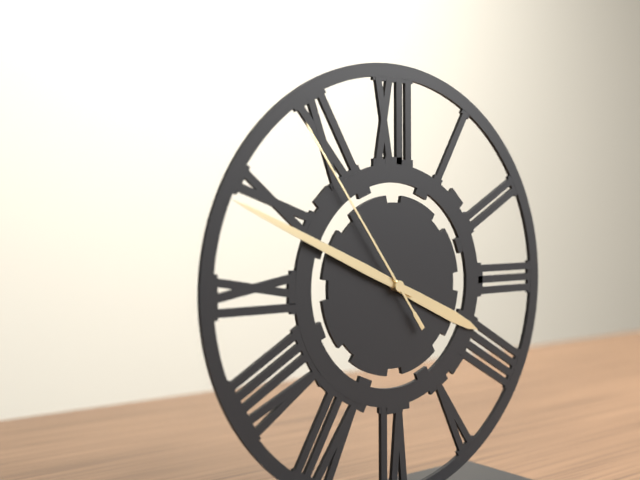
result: h=3 m=49 s=54
